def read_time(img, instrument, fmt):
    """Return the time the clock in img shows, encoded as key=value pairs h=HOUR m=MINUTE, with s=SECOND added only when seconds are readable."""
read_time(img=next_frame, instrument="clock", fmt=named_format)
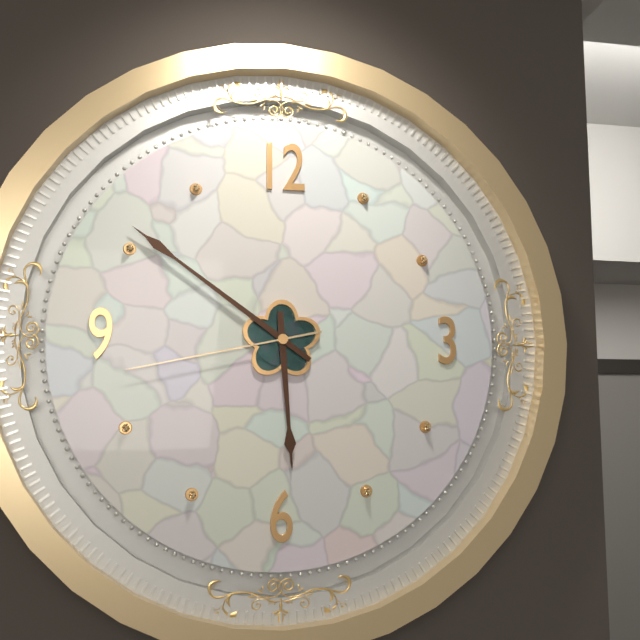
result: h=5 m=51 s=43
